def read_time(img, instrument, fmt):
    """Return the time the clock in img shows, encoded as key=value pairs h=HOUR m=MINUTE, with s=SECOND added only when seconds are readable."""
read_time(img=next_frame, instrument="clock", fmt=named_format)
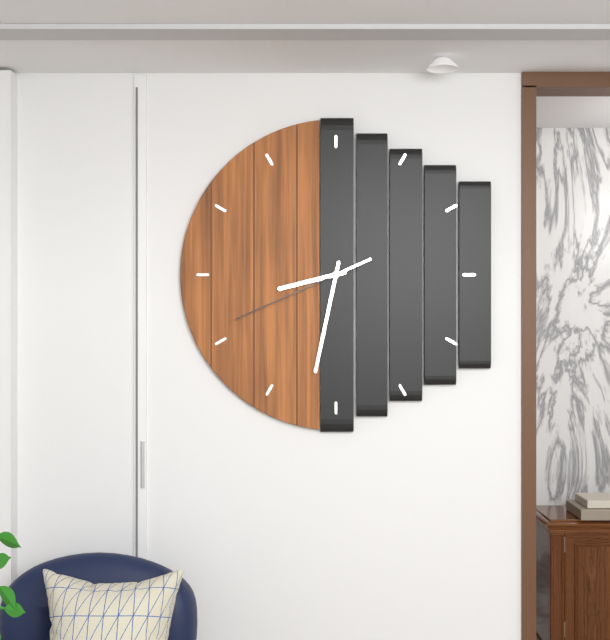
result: h=8 m=32 s=41
